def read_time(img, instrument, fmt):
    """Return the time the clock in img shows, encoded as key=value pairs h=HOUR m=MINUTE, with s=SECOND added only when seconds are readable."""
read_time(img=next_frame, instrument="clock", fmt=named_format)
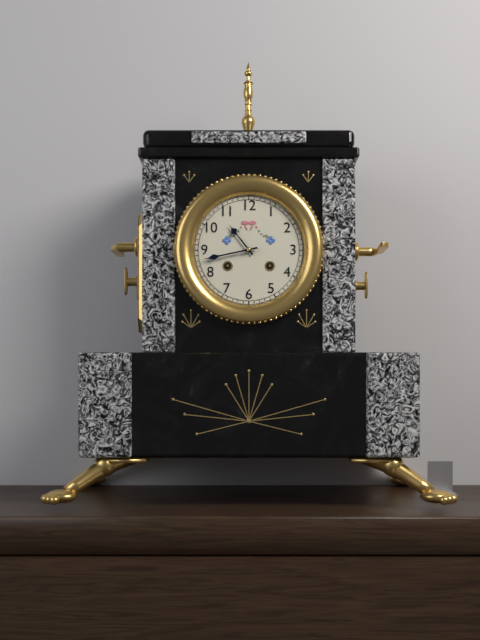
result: h=10 m=43
